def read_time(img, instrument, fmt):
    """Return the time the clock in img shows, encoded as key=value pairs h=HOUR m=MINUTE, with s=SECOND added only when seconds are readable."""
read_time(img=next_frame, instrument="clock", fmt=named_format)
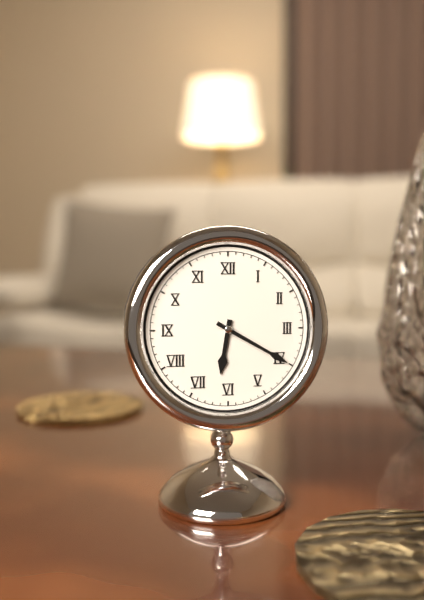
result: h=6 m=20
